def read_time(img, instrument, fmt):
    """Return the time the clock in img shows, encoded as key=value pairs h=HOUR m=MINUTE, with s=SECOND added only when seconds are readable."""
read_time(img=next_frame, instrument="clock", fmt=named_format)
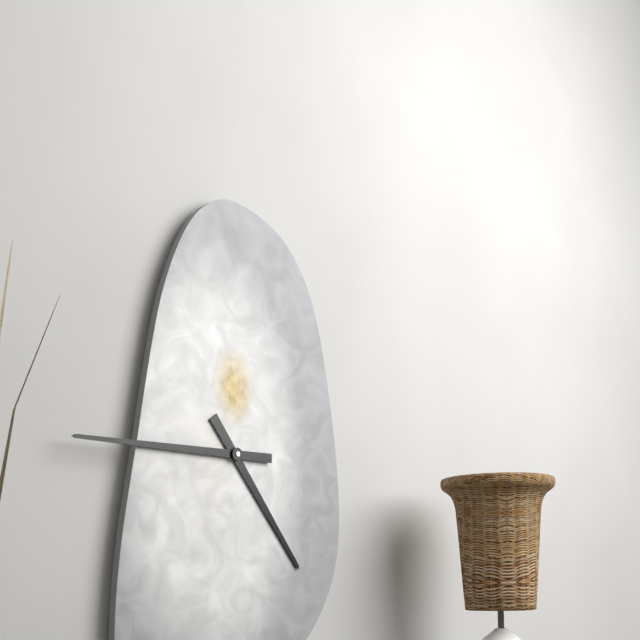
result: h=4 m=45
